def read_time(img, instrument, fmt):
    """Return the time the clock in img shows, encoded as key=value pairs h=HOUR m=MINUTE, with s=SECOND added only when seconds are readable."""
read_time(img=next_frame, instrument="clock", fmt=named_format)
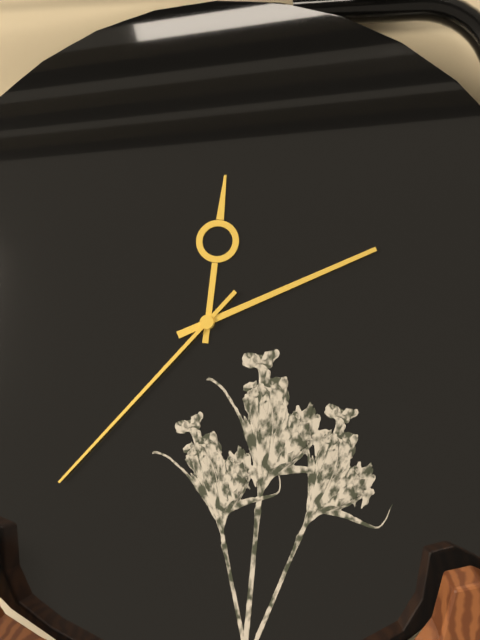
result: h=12 m=11 s=37
